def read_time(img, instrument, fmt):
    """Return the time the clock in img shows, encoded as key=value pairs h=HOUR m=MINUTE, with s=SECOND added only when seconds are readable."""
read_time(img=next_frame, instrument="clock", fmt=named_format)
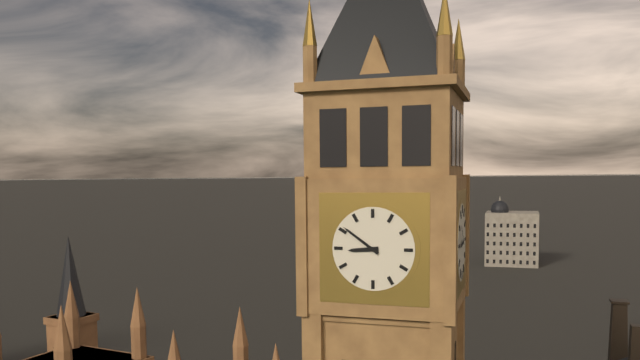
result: h=8 m=51
